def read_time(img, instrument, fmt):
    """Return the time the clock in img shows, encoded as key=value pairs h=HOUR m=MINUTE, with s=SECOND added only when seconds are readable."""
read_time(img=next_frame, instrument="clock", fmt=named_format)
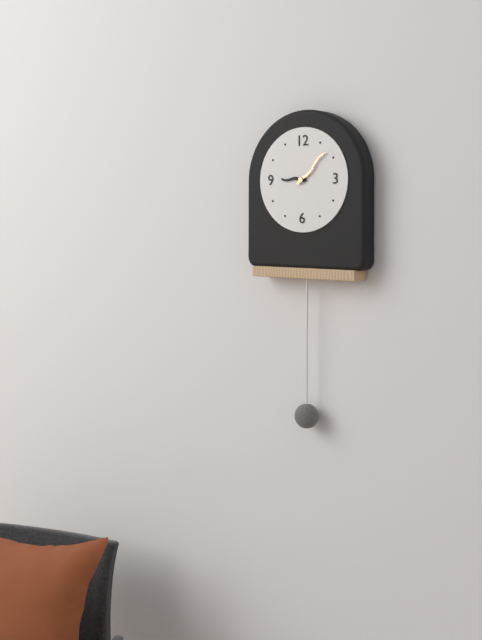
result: h=9 m=8
